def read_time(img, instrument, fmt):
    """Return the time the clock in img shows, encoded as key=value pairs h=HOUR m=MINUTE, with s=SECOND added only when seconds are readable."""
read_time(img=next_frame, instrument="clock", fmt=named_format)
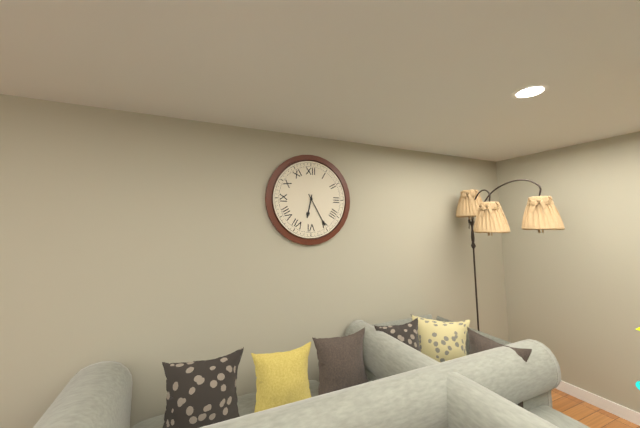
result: h=6 m=25
